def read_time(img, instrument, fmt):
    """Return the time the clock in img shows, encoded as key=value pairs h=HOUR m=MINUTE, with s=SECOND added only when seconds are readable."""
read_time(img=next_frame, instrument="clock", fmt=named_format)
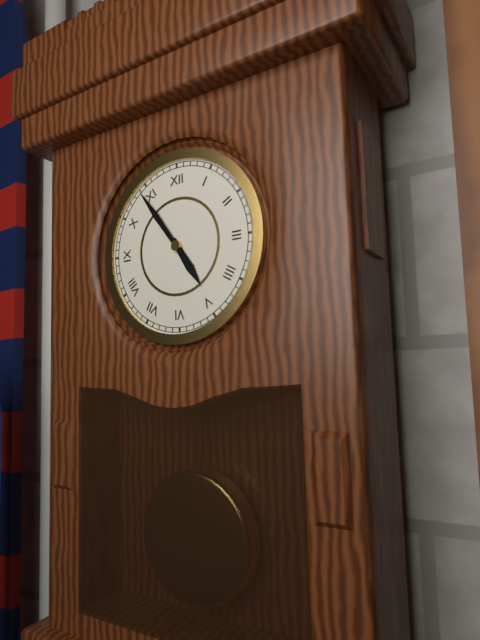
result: h=4 m=54
